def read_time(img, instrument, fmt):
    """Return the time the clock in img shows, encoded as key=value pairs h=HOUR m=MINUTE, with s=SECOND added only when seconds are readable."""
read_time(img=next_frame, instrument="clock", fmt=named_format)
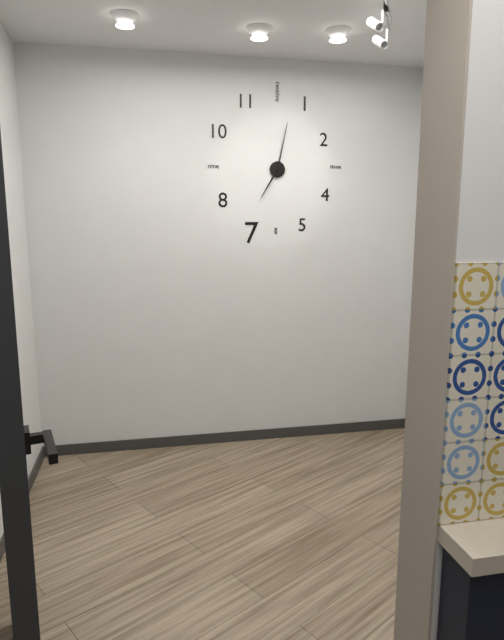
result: h=7 m=2
